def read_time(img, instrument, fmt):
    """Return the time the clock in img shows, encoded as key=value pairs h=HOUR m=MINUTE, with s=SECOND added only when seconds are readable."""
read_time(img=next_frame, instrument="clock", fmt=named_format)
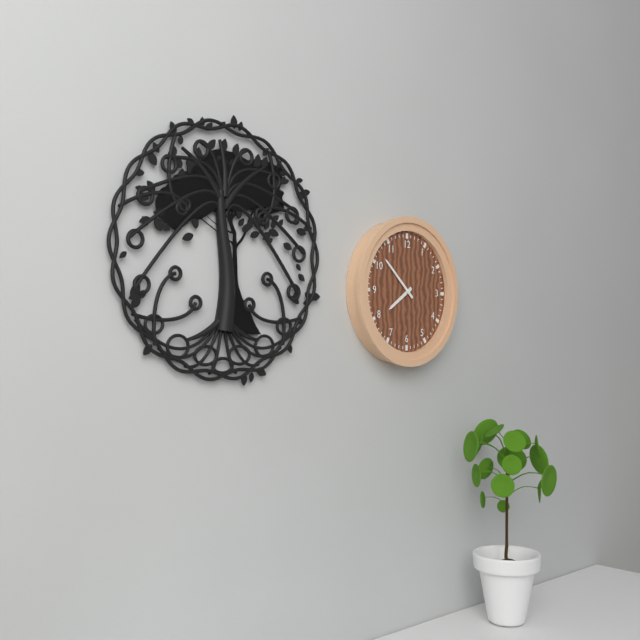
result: h=7 m=52
